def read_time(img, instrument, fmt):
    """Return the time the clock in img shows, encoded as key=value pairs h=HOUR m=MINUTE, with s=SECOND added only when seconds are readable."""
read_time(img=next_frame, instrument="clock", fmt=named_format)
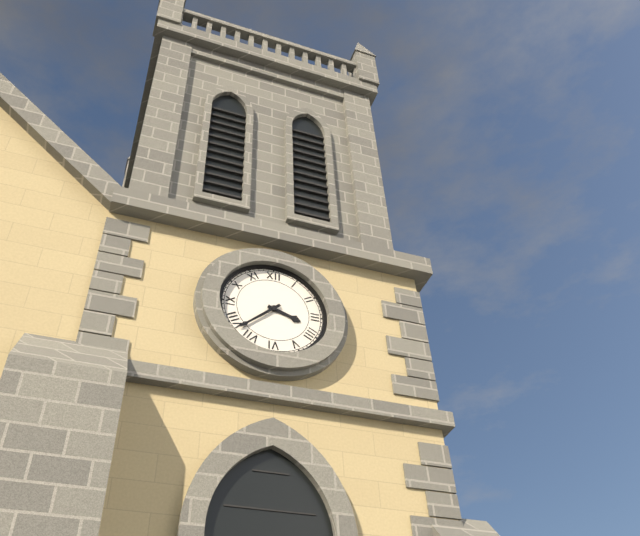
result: h=3 m=38
